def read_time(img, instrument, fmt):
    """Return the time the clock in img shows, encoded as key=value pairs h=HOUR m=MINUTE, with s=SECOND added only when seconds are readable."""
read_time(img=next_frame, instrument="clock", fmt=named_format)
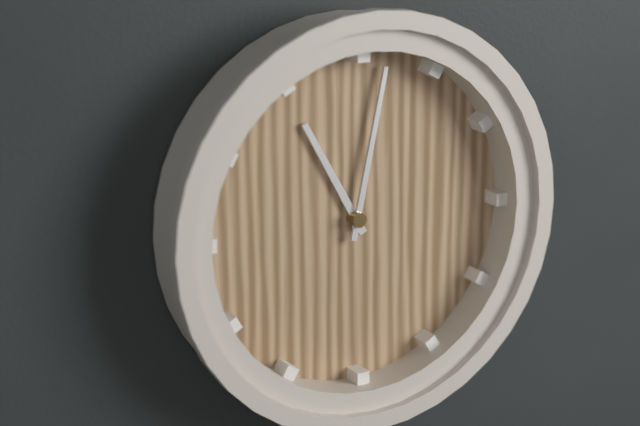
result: h=11 m=2
